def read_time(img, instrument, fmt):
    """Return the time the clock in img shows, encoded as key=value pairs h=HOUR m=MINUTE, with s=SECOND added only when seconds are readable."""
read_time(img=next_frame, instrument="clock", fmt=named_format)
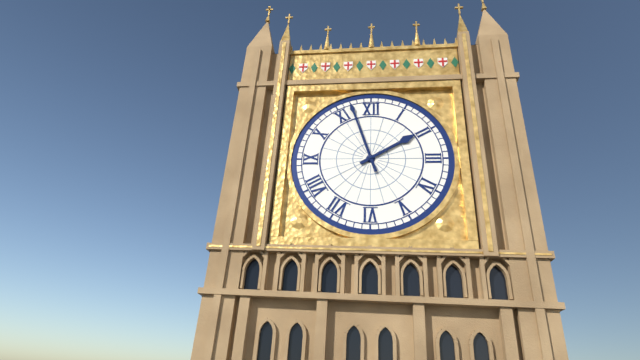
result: h=1 m=57
